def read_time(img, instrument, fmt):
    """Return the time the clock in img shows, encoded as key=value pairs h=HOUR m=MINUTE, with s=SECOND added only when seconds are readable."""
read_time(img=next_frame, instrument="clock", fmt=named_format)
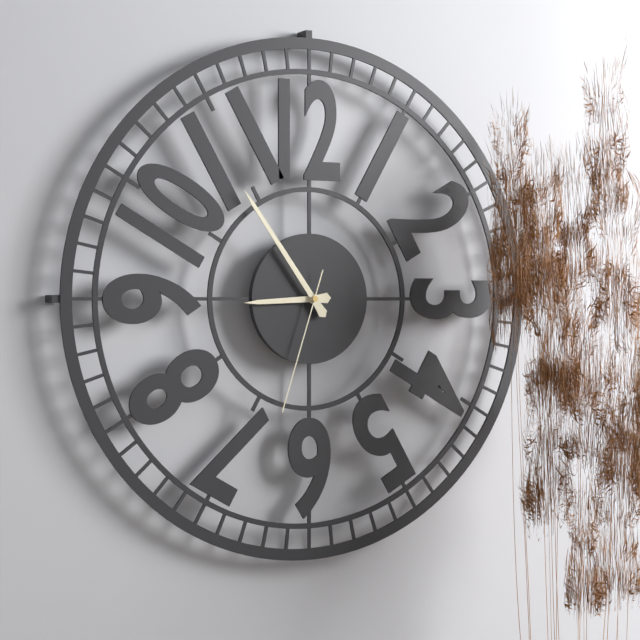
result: h=8 m=54 s=33
